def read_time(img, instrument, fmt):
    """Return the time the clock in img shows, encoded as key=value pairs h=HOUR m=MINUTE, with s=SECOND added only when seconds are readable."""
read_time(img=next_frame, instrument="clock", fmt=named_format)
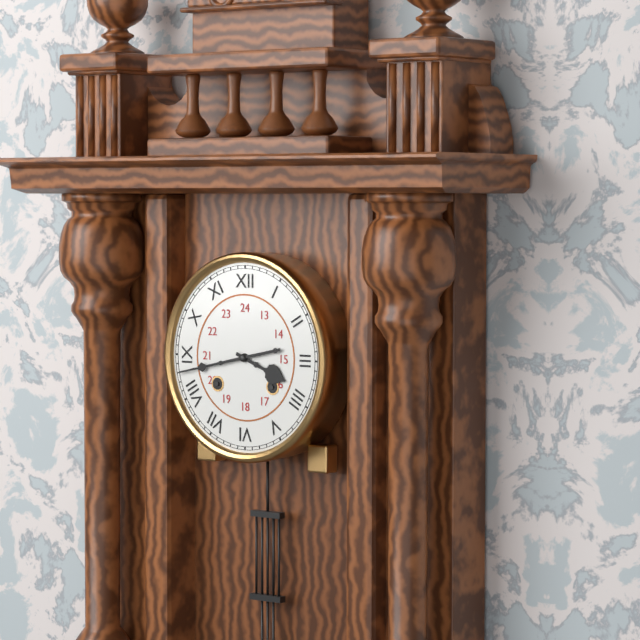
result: h=3 m=43
